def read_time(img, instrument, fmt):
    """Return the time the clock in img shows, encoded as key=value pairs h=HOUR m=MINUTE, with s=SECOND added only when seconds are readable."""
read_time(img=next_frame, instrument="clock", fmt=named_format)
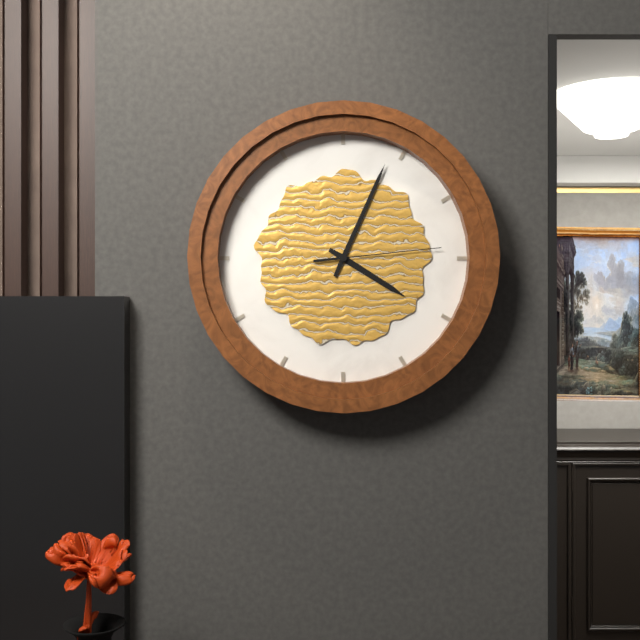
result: h=4 m=4 s=14
